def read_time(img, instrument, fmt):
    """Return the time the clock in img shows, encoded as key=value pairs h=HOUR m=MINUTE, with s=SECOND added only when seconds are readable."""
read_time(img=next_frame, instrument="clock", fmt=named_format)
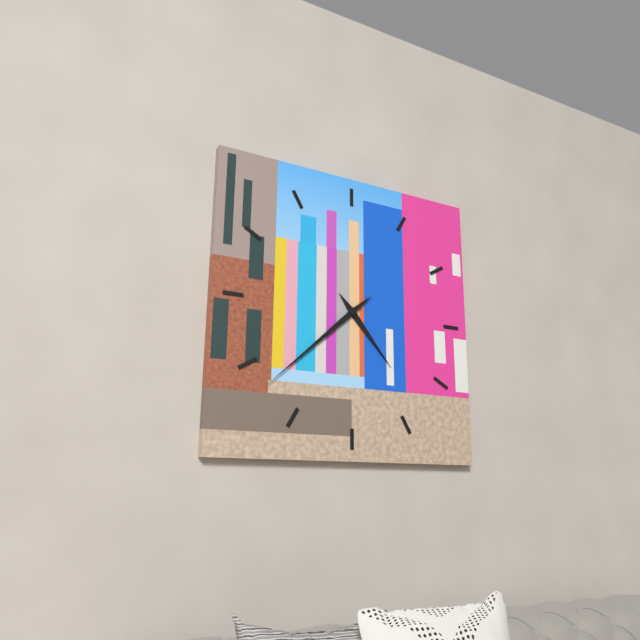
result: h=4 m=38
